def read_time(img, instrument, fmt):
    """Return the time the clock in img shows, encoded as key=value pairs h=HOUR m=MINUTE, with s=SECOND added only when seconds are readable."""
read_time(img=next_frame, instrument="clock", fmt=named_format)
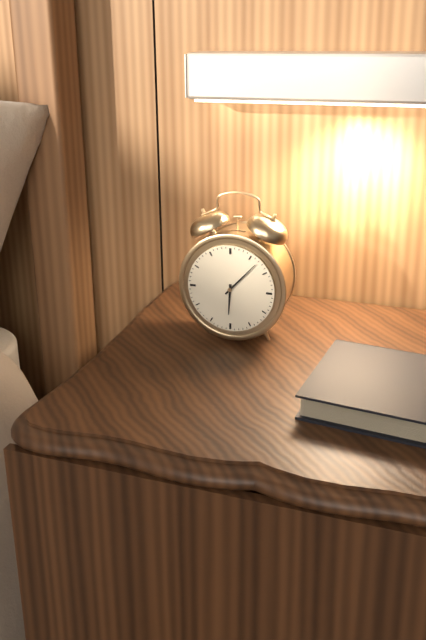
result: h=6 m=7
